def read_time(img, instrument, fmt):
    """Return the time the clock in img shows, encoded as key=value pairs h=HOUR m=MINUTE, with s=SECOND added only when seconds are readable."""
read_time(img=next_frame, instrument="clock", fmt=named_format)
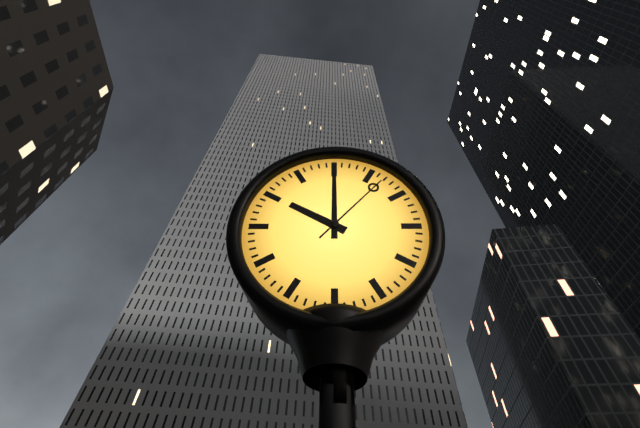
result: h=10 m=0 s=7
